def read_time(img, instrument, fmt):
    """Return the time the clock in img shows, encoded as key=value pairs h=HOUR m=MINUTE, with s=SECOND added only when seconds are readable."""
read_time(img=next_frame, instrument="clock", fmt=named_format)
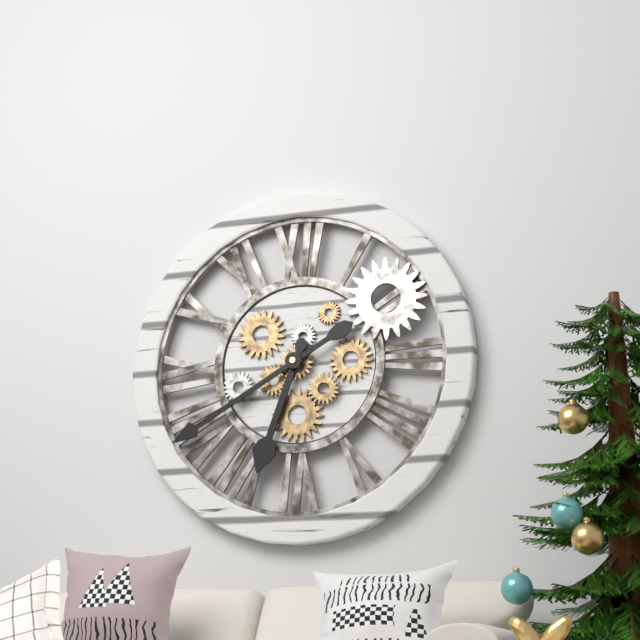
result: h=6 m=40
